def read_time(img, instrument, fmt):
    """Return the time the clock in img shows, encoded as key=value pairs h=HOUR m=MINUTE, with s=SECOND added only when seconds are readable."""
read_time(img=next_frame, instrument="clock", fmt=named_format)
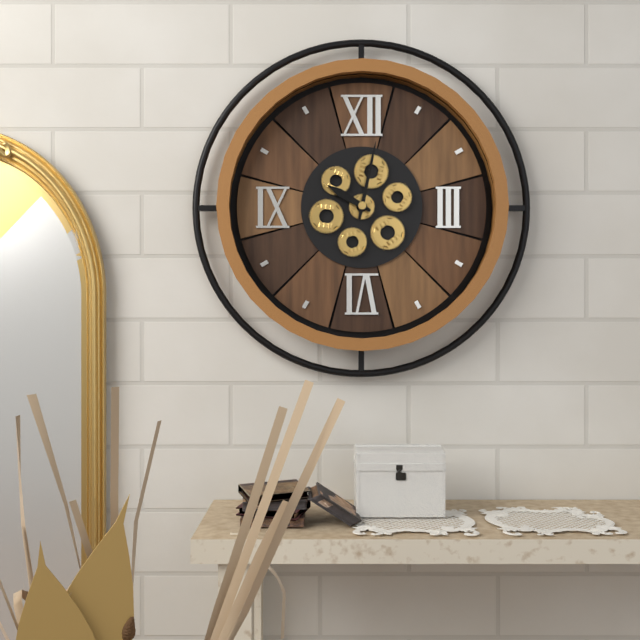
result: h=10 m=2
